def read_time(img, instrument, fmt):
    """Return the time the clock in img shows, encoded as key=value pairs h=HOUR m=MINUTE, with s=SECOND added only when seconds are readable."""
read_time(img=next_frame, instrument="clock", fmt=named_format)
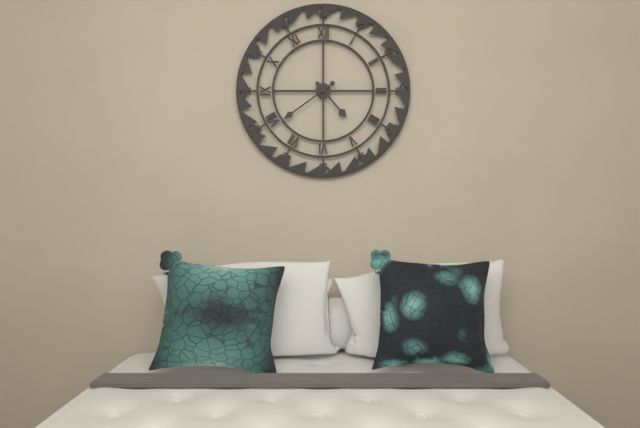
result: h=4 m=39
